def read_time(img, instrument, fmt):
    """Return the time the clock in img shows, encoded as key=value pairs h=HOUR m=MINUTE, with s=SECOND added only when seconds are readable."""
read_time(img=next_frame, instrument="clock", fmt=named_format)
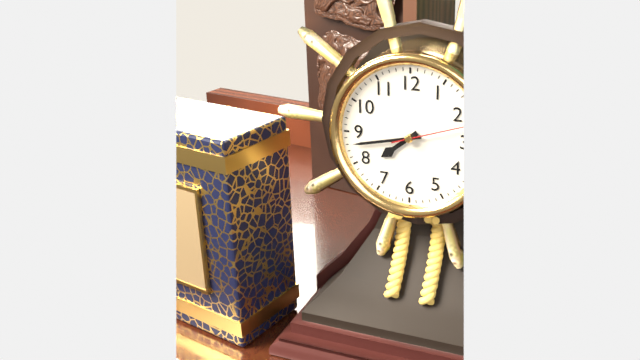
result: h=7 m=43 s=12
